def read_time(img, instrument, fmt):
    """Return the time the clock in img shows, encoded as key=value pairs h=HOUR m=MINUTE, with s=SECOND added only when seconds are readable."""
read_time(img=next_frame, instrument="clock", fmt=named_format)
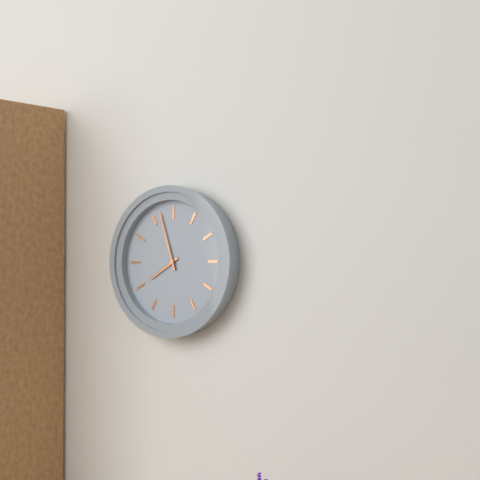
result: h=7 m=57
